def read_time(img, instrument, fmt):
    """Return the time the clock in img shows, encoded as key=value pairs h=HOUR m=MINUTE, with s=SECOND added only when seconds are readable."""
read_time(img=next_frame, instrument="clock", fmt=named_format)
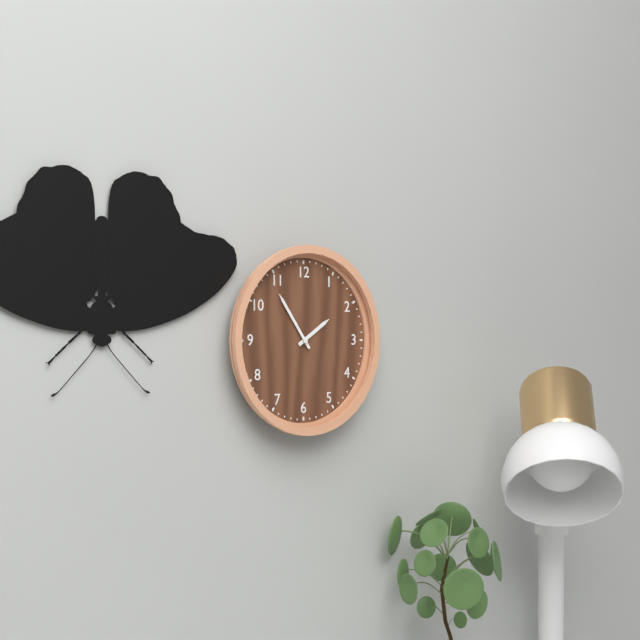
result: h=1 m=54
